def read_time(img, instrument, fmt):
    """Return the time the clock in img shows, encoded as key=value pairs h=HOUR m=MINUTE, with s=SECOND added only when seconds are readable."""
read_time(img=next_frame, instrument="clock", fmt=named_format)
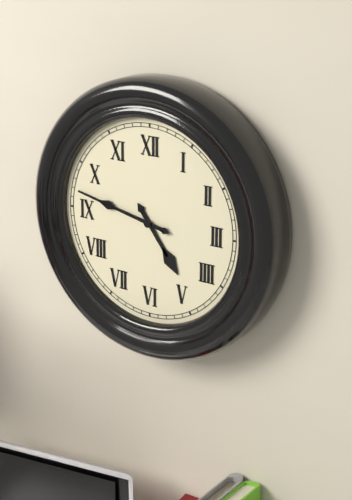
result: h=4 m=47
